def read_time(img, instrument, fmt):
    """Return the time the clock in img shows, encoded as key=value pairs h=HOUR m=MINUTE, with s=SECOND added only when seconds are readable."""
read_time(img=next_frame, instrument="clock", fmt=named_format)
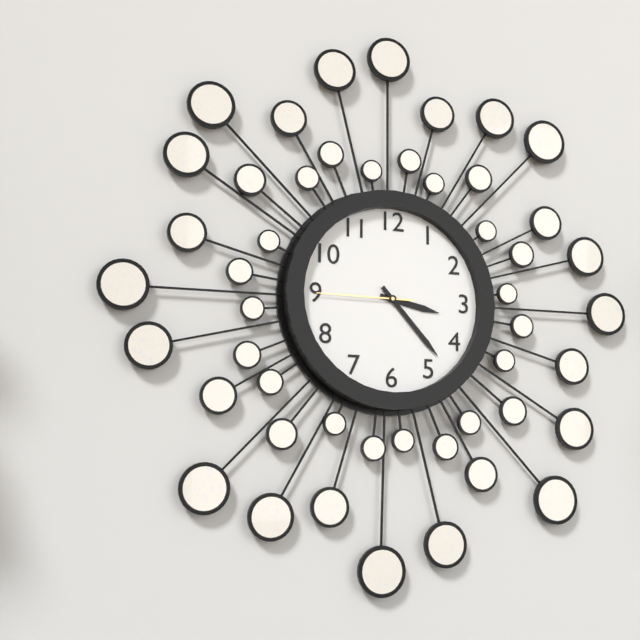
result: h=3 m=23 s=45
